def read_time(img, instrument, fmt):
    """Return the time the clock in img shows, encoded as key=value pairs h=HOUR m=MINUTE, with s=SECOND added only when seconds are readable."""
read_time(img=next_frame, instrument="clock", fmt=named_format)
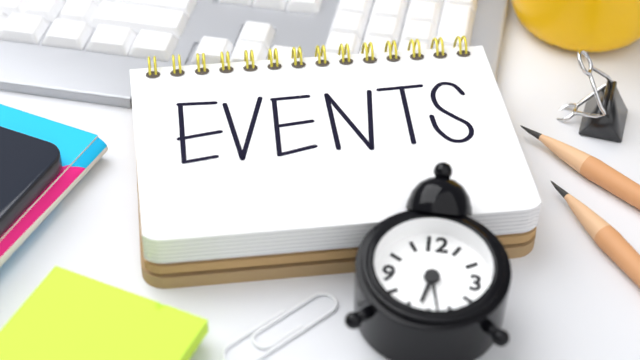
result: h=6 m=28
